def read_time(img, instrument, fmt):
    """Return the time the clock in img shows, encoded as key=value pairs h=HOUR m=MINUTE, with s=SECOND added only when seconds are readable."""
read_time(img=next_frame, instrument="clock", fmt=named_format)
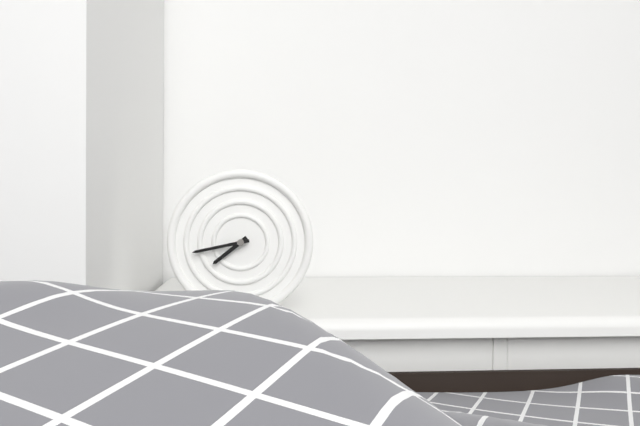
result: h=7 m=43
